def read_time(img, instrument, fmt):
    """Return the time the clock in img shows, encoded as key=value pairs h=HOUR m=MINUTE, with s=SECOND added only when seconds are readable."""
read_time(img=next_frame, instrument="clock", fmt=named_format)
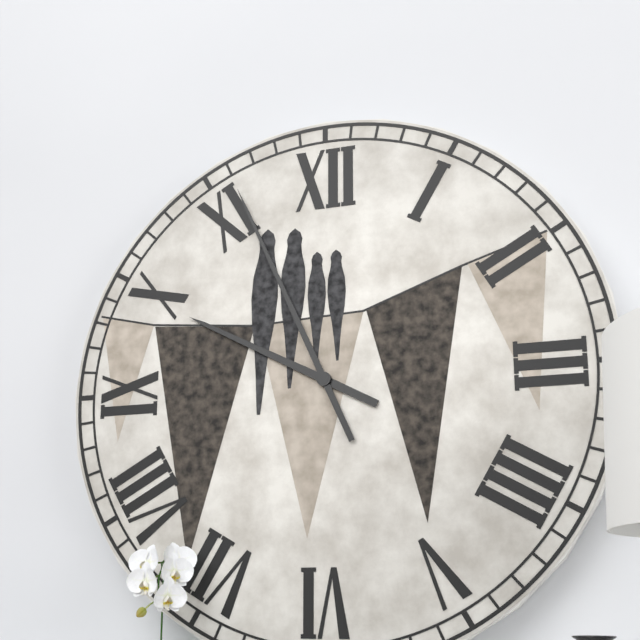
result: h=9 m=56
